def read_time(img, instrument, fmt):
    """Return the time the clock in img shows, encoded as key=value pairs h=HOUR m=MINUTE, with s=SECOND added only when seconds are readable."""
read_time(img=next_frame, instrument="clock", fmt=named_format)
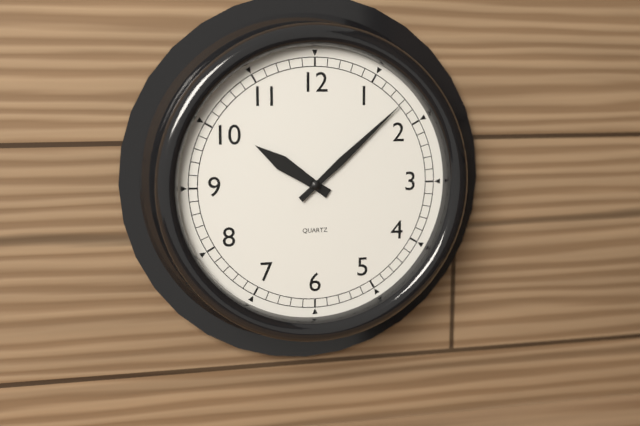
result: h=10 m=8
